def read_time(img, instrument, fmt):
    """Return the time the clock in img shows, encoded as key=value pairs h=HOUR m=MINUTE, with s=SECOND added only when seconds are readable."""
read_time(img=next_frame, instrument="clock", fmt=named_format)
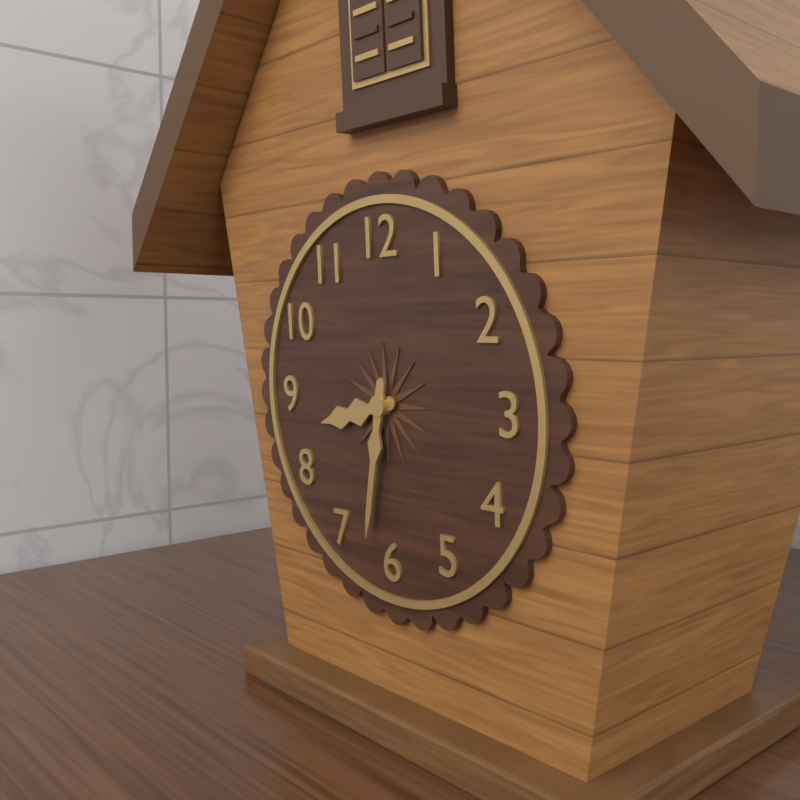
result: h=8 m=32
